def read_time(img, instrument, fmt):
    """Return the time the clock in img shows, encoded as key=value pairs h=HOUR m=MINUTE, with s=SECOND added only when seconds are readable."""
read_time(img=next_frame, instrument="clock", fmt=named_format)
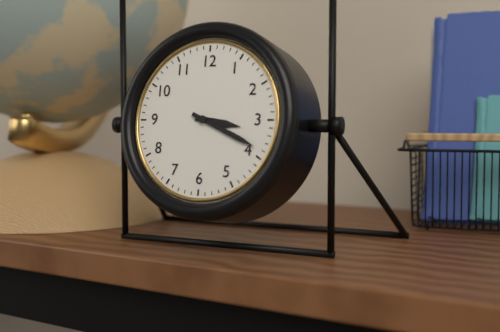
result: h=3 m=19
